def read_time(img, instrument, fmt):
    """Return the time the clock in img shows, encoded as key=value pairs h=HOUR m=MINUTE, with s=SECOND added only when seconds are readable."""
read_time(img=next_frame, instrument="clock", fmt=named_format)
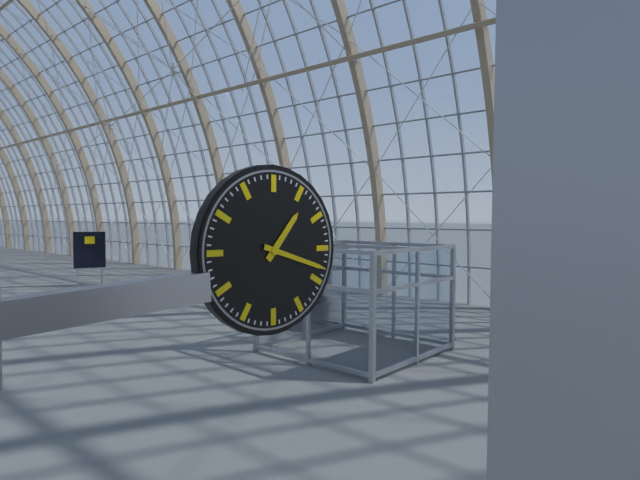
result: h=1 m=18
